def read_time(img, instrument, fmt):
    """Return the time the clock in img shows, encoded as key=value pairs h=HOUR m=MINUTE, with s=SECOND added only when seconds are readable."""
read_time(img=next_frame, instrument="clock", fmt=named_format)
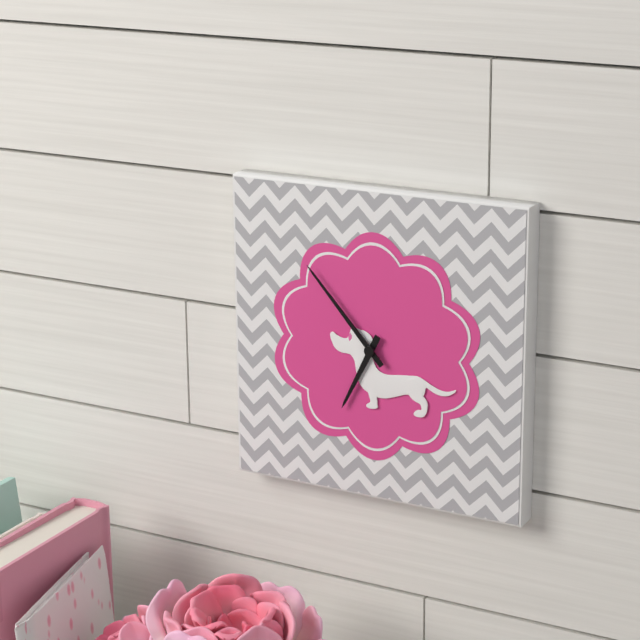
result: h=6 m=53
